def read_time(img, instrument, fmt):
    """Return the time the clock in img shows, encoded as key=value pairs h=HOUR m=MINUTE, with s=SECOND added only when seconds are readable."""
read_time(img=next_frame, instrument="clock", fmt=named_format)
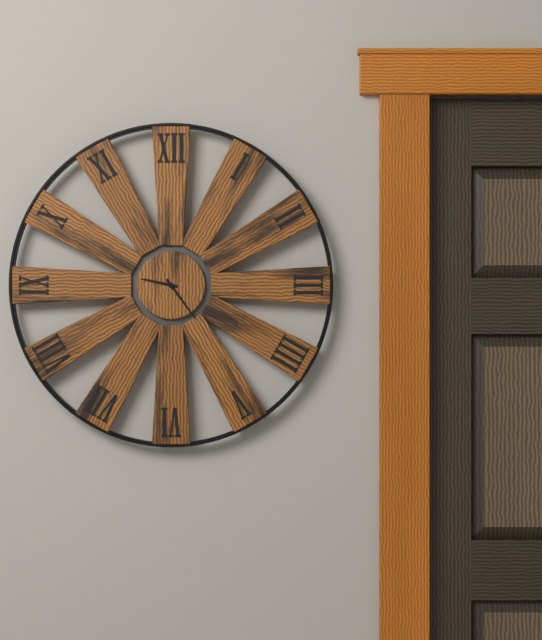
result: h=9 m=24
